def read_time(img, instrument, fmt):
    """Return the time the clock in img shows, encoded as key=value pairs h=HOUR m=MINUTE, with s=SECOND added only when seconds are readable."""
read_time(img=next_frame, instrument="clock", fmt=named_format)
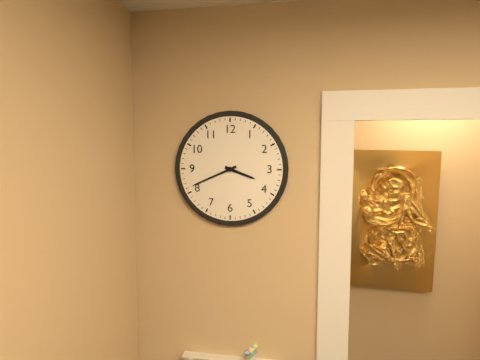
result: h=3 m=41
